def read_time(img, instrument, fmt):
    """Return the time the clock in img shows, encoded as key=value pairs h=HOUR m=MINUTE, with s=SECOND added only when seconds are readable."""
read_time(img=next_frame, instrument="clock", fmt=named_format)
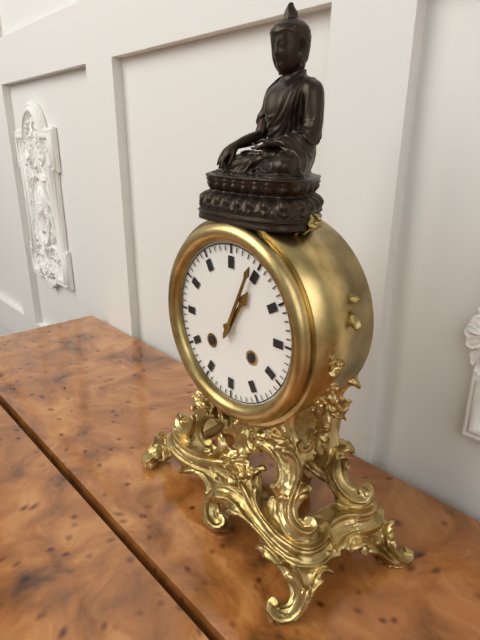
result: h=1 m=4
